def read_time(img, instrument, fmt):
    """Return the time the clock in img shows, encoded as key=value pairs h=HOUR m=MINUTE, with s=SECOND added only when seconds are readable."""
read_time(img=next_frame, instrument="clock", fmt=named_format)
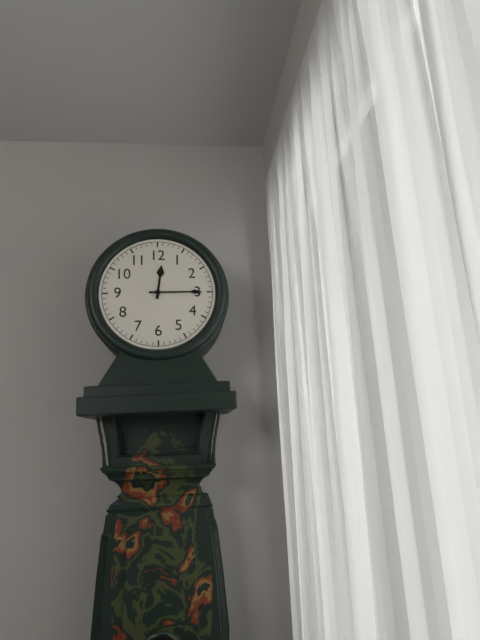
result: h=12 m=15
